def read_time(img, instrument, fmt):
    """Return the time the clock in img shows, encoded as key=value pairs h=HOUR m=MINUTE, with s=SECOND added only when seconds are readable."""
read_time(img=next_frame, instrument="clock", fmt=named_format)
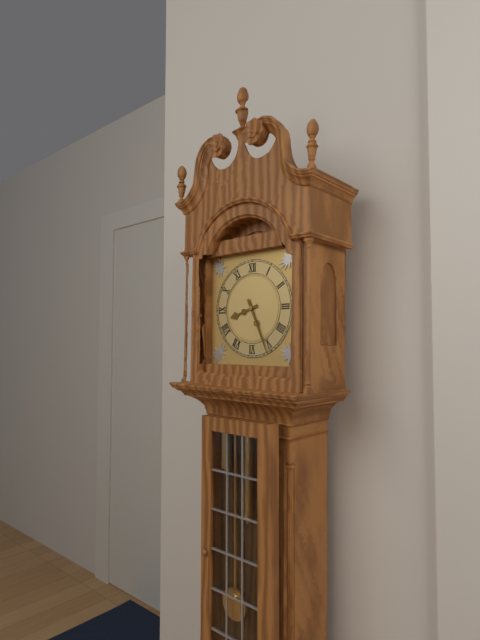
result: h=8 m=26
